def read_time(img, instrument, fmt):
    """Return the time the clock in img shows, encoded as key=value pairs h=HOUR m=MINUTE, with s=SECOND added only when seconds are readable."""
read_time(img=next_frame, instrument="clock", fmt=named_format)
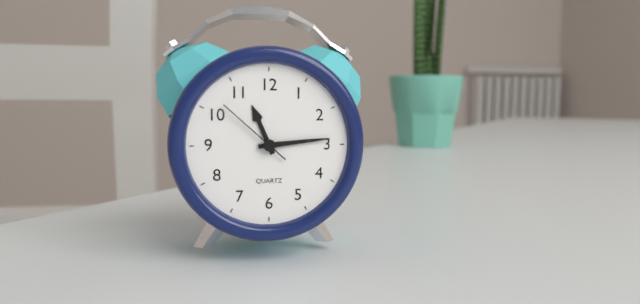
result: h=11 m=14 s=52
